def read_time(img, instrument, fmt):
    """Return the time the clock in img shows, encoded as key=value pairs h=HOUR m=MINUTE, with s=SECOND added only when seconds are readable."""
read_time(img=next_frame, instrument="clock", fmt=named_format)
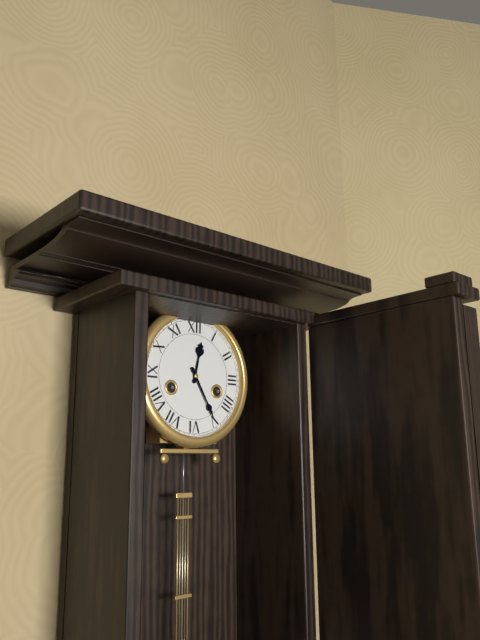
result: h=12 m=25
